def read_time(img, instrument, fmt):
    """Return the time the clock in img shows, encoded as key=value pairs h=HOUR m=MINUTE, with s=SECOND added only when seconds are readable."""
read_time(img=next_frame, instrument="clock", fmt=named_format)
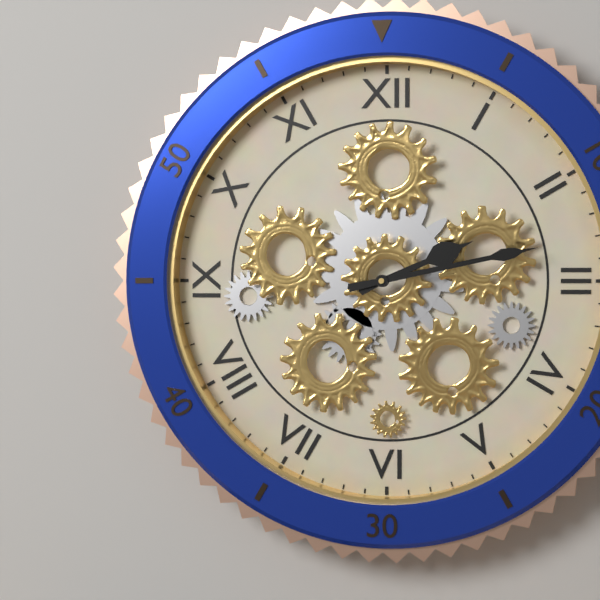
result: h=2 m=13
